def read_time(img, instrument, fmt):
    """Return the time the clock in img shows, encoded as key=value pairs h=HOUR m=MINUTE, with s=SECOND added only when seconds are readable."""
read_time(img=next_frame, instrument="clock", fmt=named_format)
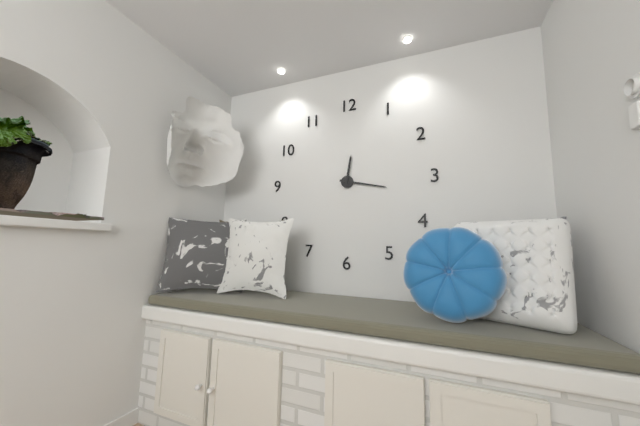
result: h=12 m=17
